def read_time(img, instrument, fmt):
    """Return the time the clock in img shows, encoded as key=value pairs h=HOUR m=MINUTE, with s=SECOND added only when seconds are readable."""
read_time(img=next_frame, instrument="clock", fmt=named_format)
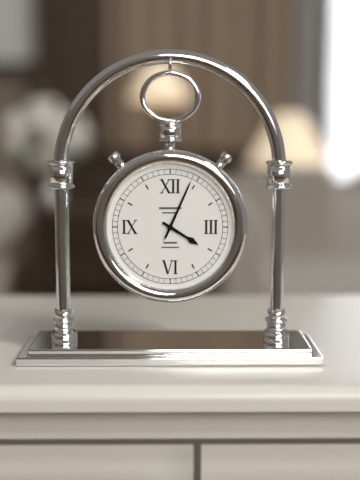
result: h=4 m=4
